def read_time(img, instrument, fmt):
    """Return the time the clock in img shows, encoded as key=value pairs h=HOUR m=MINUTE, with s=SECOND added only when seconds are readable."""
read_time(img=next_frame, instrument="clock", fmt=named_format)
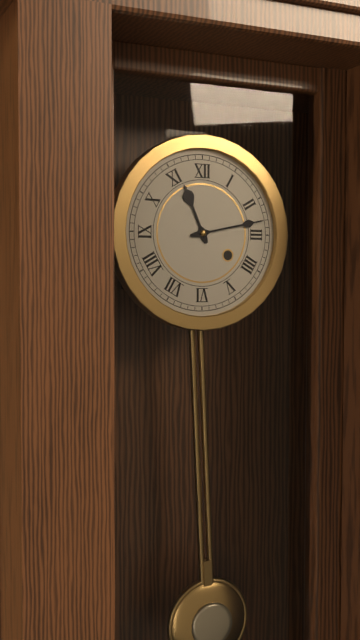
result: h=11 m=13
